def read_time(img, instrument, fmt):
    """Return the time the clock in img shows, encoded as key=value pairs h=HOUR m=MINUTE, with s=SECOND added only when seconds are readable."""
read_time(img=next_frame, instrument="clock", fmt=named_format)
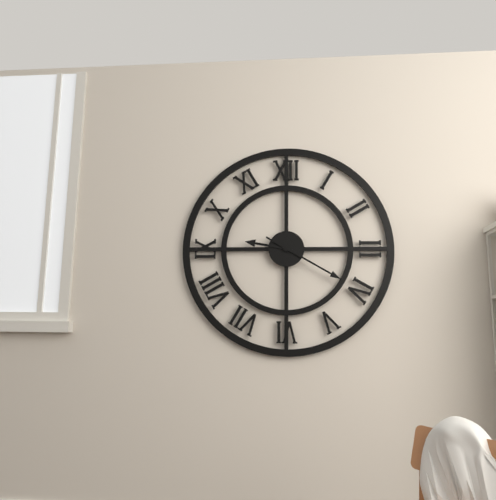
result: h=9 m=20
